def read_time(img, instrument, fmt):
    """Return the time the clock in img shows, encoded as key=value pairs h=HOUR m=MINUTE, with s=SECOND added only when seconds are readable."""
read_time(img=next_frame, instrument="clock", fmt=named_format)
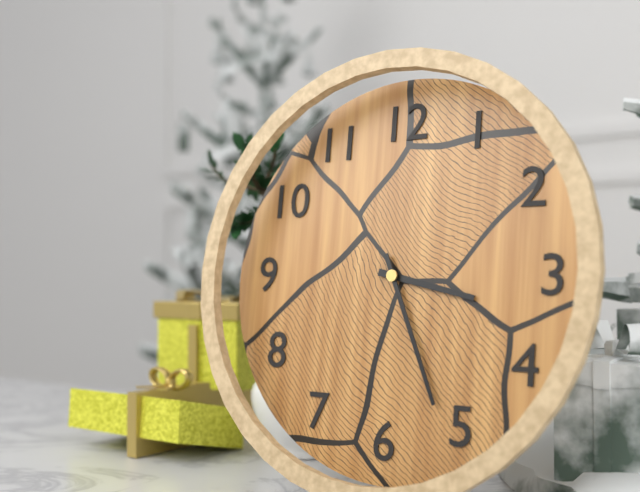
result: h=3 m=26
